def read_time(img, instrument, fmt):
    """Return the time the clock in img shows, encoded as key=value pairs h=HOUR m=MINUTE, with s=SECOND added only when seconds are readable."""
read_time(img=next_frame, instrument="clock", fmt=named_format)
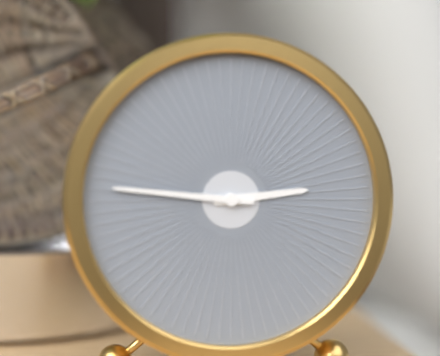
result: h=2 m=46
